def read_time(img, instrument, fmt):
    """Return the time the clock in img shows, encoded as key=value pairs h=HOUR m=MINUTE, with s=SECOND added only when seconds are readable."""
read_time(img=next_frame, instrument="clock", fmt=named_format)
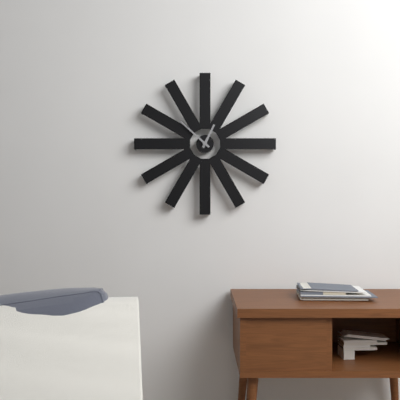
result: h=12 m=52
